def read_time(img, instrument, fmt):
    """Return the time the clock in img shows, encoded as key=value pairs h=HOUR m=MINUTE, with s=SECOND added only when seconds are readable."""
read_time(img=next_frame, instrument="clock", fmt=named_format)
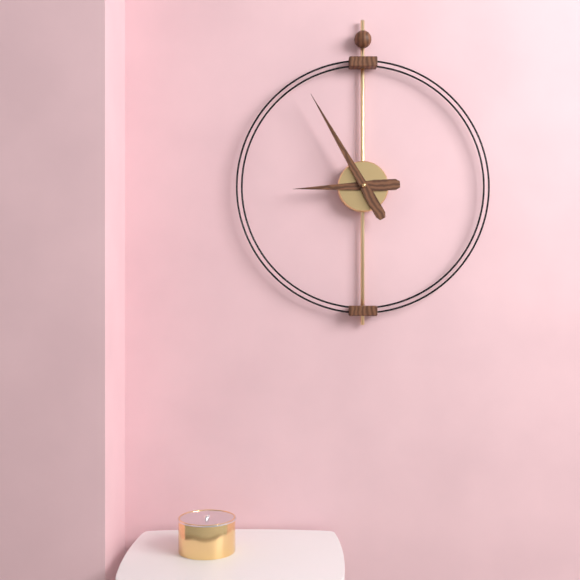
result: h=8 m=55
